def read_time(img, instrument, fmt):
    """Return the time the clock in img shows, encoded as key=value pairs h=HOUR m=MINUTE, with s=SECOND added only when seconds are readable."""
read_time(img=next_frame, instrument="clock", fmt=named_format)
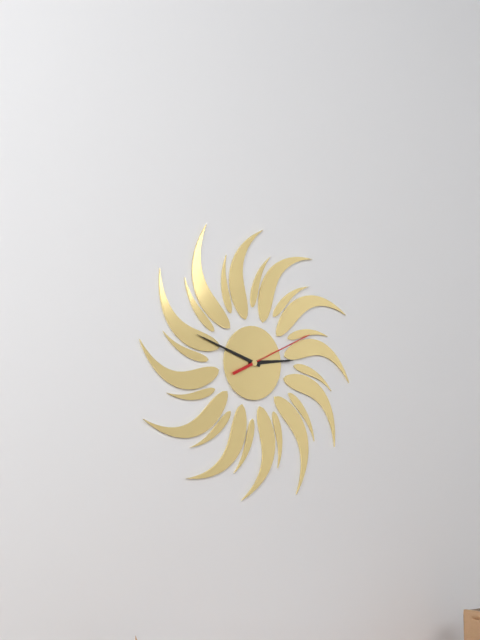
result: h=2 m=48 s=11
